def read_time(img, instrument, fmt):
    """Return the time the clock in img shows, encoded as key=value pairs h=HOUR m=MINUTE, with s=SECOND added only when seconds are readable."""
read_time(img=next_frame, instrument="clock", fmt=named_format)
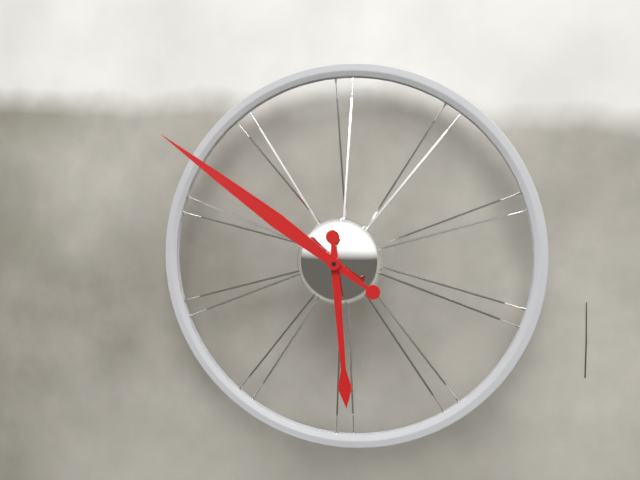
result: h=5 m=51
